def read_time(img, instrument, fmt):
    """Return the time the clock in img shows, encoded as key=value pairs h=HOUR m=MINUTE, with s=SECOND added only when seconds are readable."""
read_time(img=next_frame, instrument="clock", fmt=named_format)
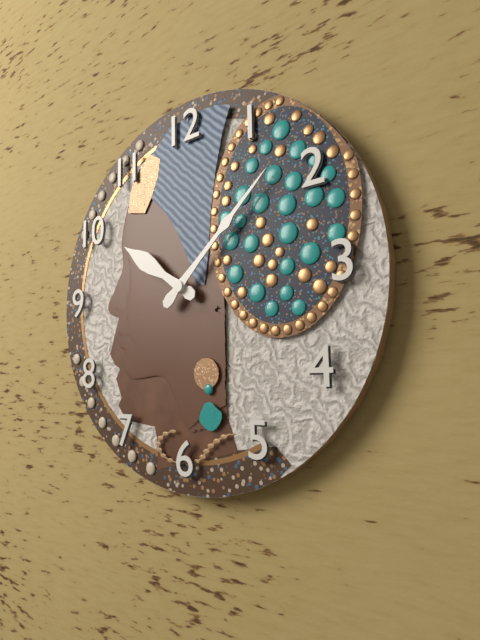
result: h=10 m=8
